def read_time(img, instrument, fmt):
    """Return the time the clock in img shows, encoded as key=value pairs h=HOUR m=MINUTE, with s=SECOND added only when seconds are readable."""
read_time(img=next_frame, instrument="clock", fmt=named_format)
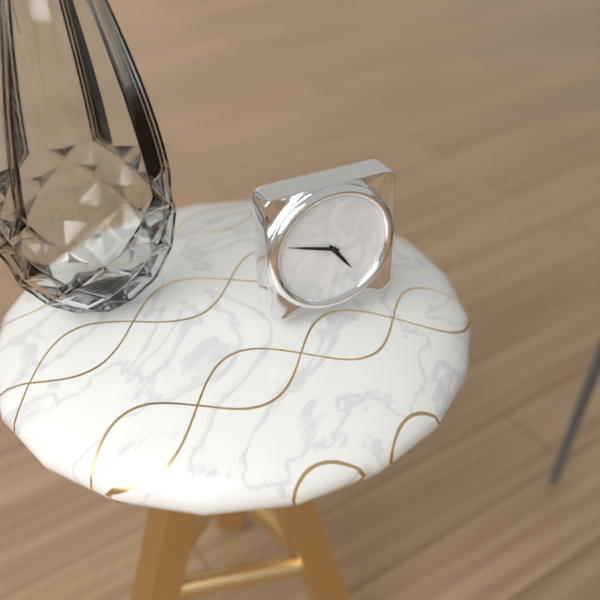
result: h=4 m=48
